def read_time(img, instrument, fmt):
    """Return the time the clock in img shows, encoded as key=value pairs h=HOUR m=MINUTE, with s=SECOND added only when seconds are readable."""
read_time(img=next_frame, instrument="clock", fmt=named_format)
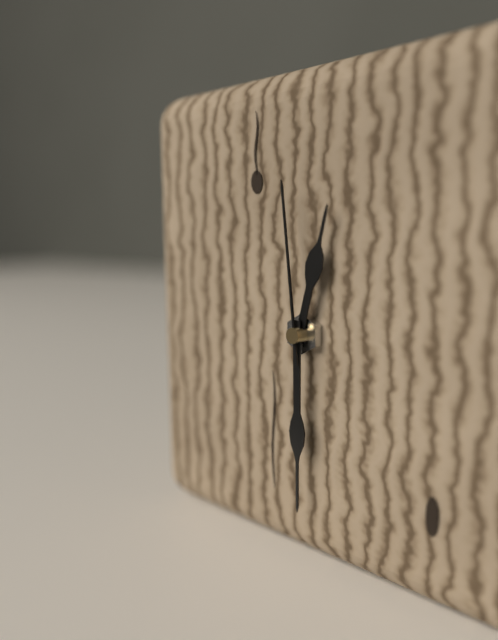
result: h=12 m=30 s=59
